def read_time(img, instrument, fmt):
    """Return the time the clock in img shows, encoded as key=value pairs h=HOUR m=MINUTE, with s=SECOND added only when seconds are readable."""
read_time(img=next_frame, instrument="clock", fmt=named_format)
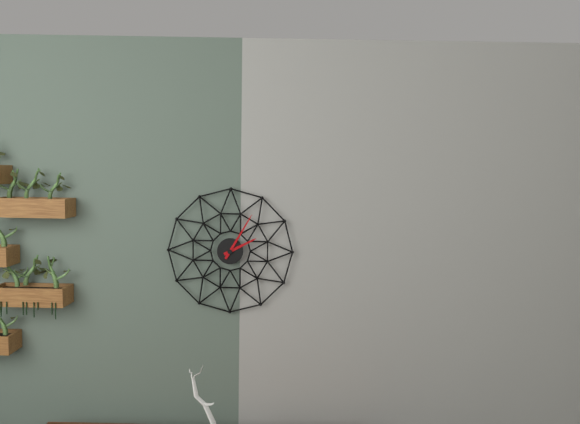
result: h=2 m=5
